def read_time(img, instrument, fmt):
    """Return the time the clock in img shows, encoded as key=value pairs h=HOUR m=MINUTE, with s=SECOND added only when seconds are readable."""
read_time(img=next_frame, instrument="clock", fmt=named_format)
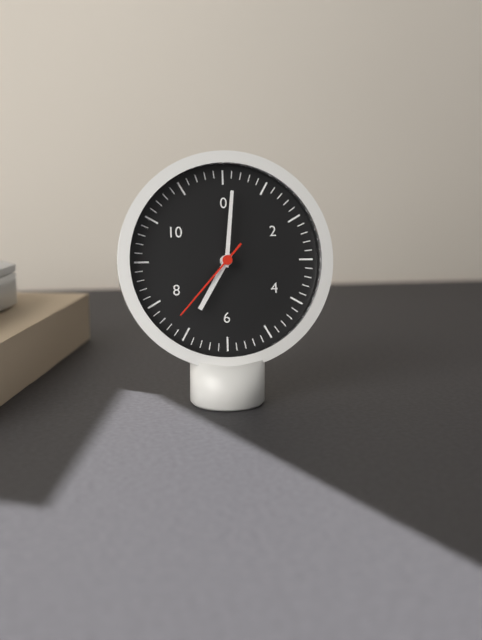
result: h=7 m=1 s=37
